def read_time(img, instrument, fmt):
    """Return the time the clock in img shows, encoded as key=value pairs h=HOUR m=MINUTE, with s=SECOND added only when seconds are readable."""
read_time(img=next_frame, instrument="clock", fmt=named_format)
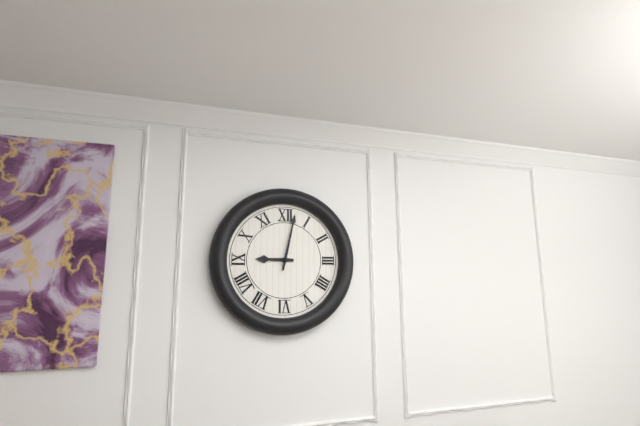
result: h=9 m=2
